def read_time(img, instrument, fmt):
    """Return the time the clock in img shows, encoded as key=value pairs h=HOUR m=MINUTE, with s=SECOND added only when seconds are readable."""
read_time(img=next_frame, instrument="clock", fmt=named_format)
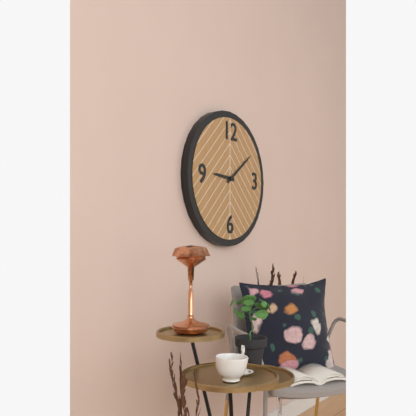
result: h=9 m=9
